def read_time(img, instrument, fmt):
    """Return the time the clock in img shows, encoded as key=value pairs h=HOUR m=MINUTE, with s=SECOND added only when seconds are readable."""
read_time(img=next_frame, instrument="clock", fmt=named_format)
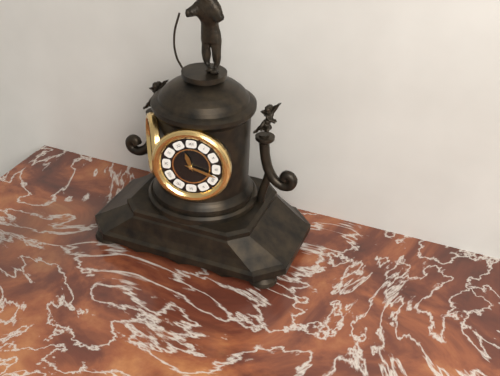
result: h=11 m=18
